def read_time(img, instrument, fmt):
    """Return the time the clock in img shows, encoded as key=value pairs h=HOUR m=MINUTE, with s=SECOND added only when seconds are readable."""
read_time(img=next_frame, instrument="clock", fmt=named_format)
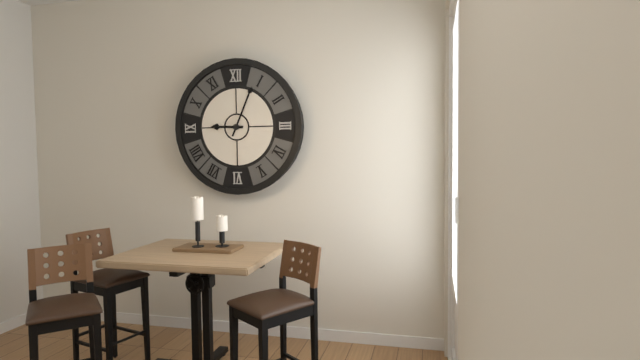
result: h=9 m=4
